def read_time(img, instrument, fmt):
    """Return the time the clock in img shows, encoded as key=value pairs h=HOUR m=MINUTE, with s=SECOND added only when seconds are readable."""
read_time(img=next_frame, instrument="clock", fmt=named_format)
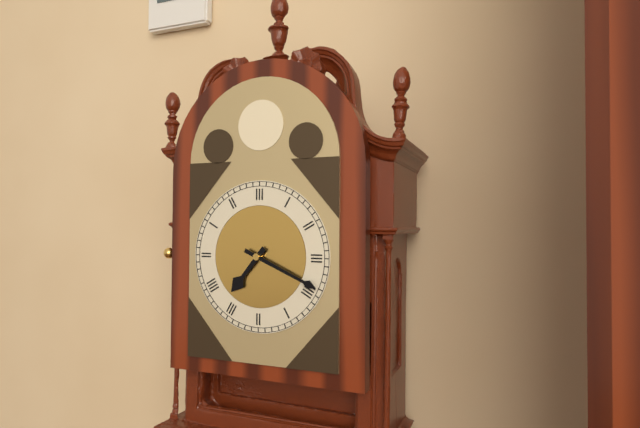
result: h=7 m=19
